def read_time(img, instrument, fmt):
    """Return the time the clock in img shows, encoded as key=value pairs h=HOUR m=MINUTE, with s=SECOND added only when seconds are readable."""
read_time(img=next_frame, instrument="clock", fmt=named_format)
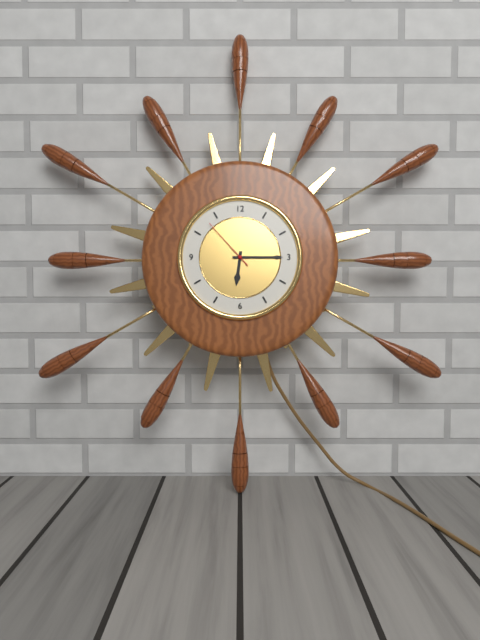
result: h=6 m=15 s=53
